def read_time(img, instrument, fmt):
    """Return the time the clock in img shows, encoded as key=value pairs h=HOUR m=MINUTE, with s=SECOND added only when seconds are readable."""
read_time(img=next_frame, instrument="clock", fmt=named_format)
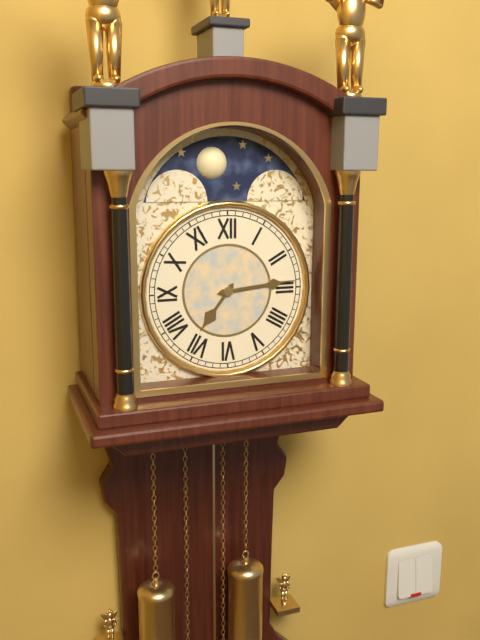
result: h=7 m=14
